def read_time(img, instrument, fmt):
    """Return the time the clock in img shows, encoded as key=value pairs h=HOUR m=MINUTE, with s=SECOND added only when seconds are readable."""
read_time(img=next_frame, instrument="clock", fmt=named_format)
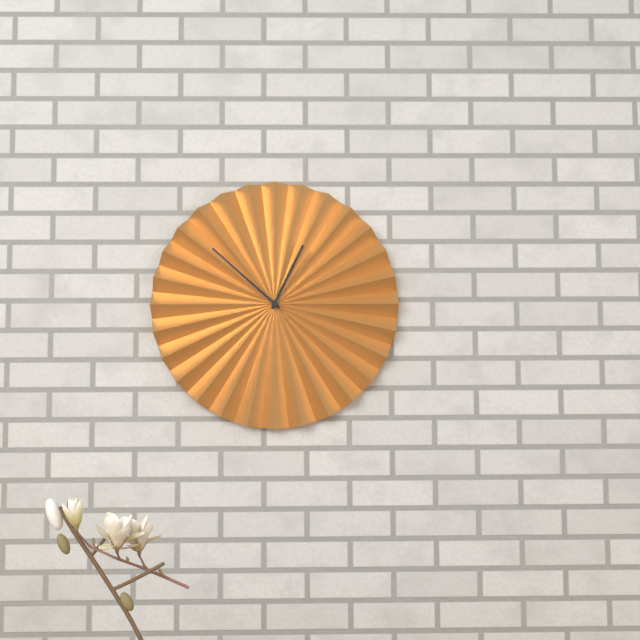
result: h=12 m=52
